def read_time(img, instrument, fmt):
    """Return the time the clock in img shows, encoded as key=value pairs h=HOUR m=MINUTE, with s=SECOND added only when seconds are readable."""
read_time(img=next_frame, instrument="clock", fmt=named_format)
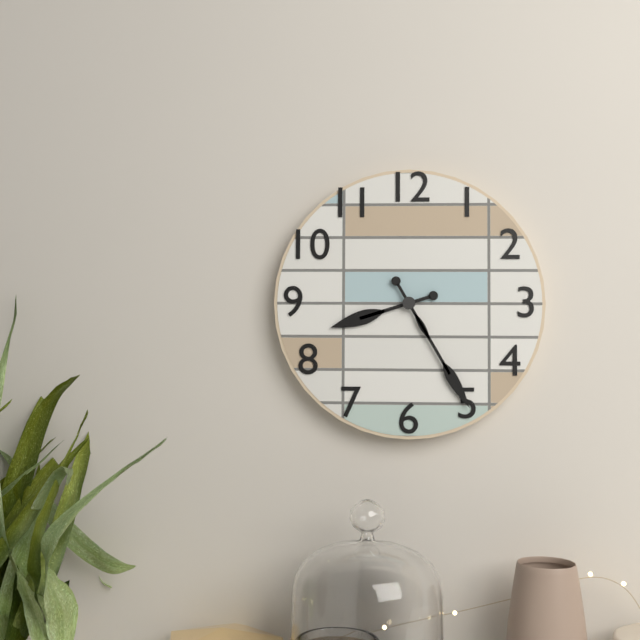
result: h=8 m=25
